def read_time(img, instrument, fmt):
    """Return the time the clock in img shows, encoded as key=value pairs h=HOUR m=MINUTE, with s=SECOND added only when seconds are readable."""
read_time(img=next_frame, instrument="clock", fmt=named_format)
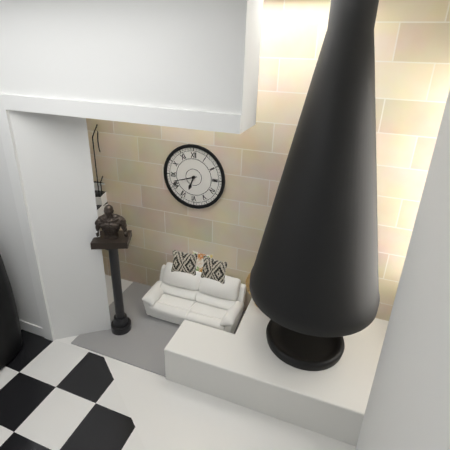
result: h=6 m=42
